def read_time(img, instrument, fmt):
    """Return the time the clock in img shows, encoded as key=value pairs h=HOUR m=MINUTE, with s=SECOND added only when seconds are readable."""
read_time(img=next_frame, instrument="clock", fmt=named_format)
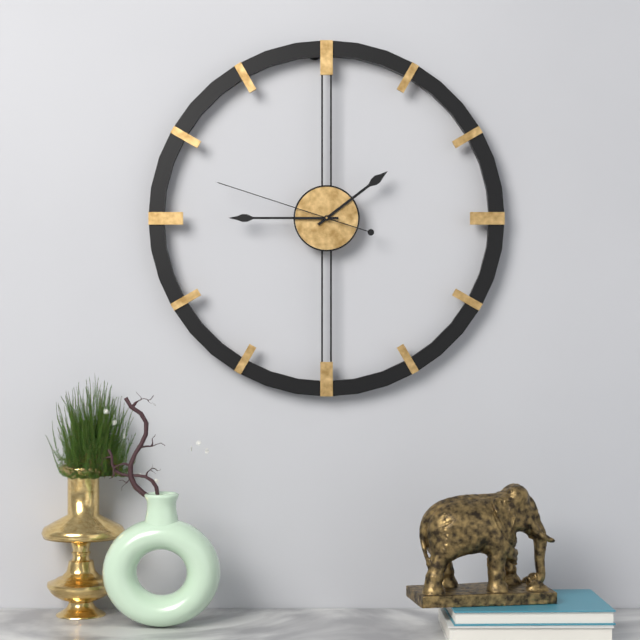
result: h=1 m=45 s=48
